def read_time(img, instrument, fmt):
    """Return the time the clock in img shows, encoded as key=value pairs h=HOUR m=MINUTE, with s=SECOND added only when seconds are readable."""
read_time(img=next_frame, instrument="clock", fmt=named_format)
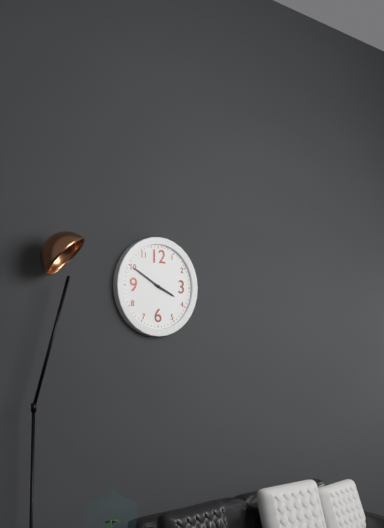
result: h=3 m=50
